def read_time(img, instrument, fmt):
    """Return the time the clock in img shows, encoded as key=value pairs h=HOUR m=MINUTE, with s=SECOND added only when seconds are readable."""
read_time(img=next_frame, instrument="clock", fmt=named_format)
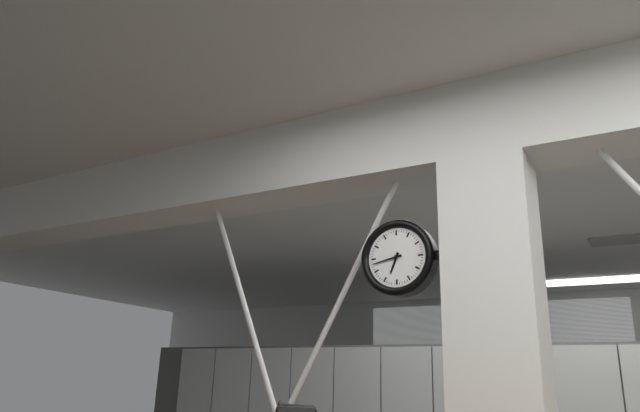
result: h=6 m=43
